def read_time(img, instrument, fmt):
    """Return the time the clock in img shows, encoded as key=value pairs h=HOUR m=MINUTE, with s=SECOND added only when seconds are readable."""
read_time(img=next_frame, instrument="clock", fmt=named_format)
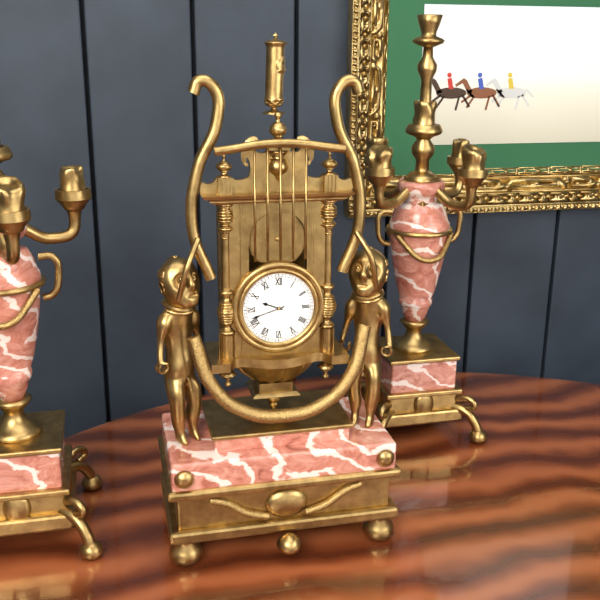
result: h=9 m=42
